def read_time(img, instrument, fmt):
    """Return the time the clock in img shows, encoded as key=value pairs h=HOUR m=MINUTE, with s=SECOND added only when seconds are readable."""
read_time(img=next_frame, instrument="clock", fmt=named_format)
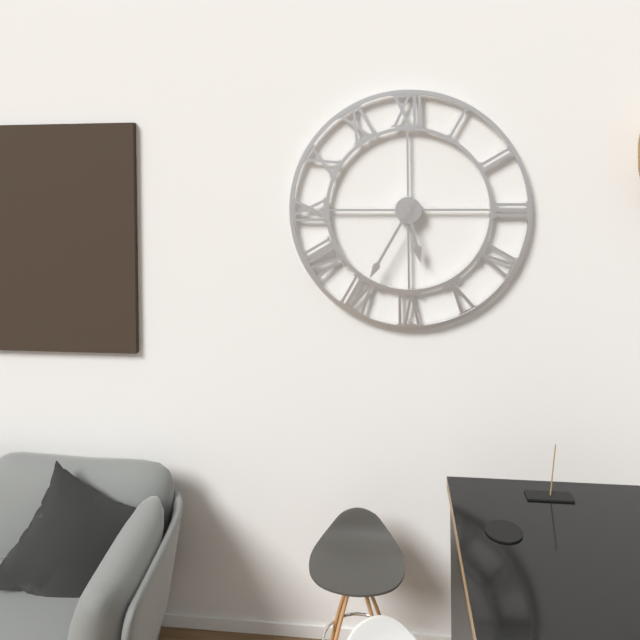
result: h=5 m=35
